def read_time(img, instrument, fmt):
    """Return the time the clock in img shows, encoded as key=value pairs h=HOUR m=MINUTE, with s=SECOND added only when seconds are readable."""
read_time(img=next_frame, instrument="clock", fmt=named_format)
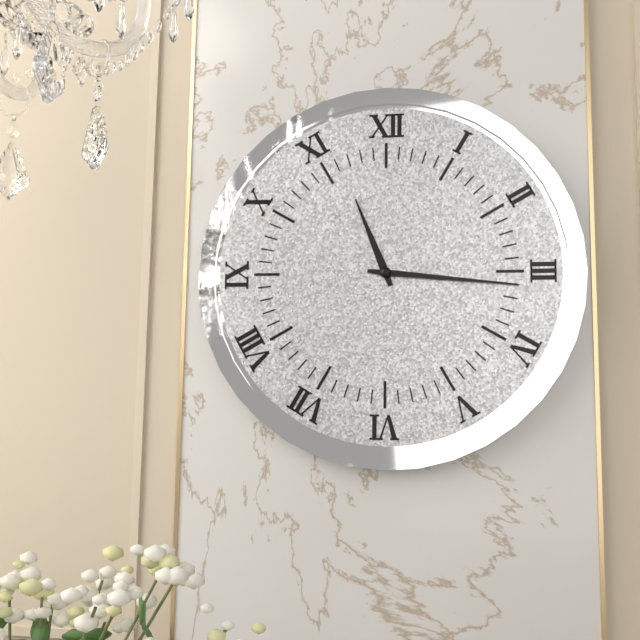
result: h=11 m=16
